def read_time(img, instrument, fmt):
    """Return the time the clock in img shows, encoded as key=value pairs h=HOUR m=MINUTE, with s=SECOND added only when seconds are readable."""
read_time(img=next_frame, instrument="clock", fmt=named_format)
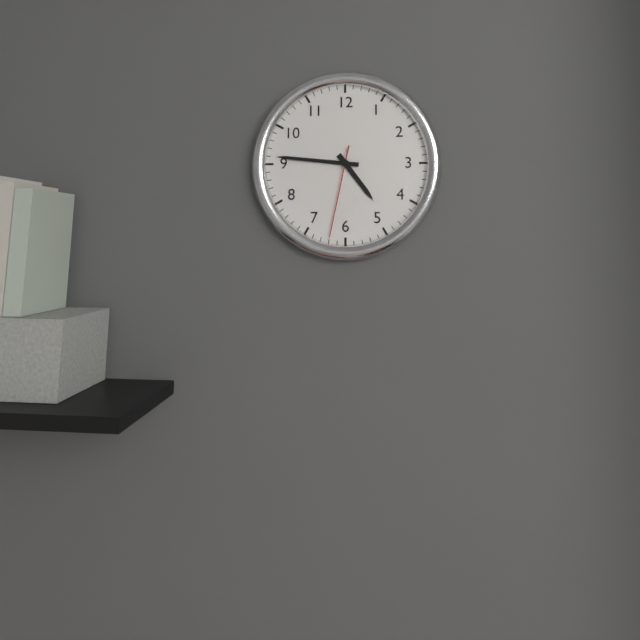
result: h=4 m=46 s=32
